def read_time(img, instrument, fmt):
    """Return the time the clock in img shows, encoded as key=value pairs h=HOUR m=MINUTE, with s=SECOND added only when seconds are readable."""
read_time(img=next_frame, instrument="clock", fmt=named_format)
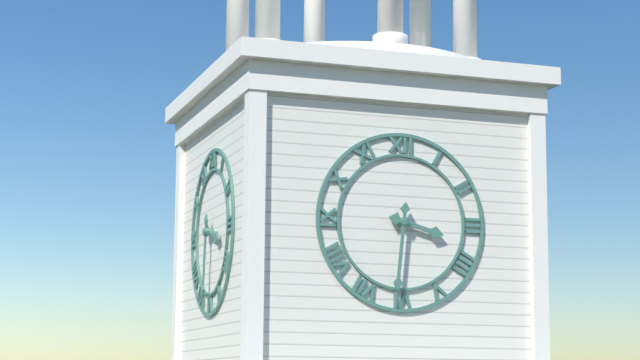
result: h=3 m=31
